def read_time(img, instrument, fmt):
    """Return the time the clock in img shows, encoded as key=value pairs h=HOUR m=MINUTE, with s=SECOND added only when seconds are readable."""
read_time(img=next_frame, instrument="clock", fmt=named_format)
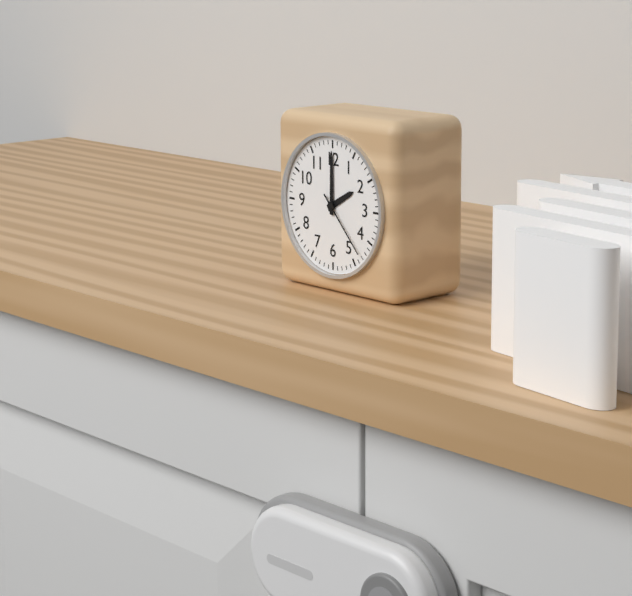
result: h=2 m=0 s=23
